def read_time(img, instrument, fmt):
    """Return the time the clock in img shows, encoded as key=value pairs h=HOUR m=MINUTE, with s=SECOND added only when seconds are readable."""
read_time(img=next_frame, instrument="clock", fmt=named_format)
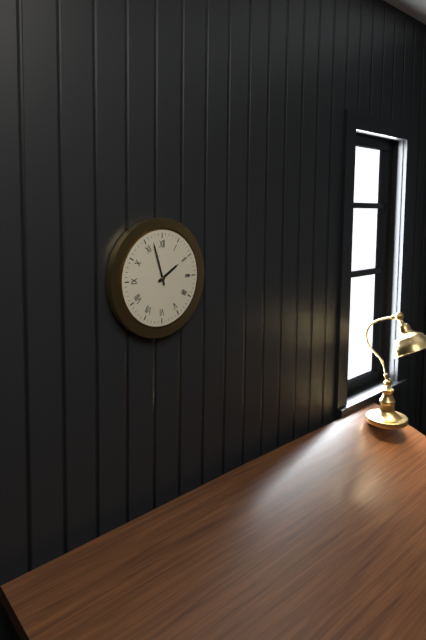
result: h=1 m=57
